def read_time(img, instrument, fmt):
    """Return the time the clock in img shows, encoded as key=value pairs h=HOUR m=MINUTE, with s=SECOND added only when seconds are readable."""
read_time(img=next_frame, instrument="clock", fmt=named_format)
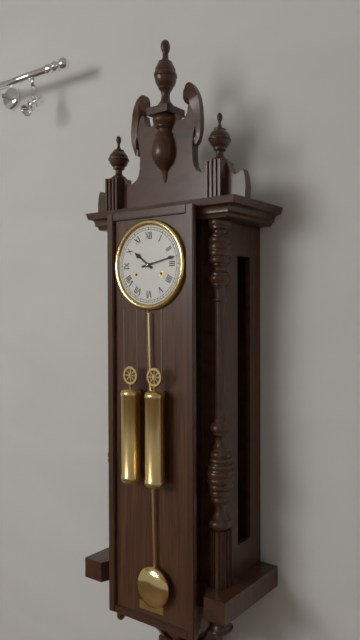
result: h=10 m=13
